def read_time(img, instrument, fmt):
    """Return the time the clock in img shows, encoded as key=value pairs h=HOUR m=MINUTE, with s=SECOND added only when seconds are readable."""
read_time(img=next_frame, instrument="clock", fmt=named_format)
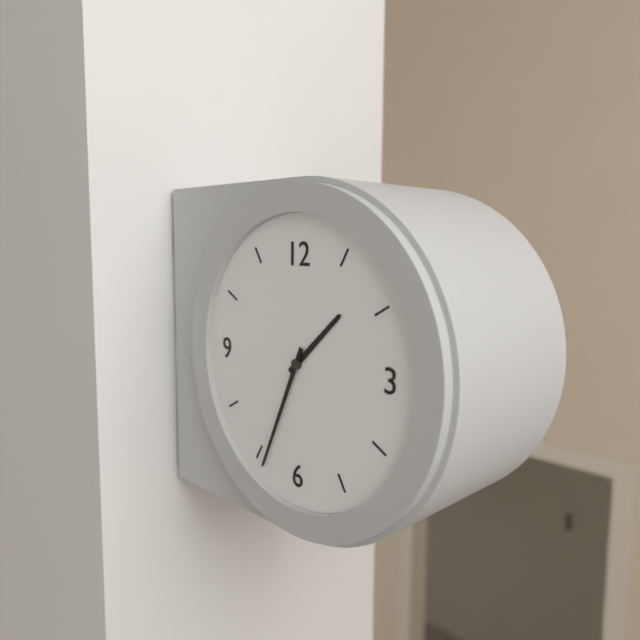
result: h=1 m=34
